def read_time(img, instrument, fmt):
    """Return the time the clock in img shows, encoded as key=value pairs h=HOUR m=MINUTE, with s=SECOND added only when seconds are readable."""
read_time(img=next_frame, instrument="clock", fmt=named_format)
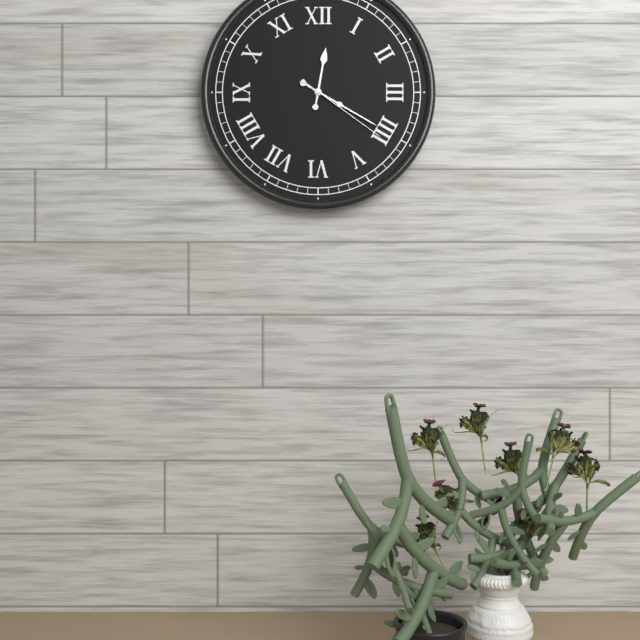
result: h=12 m=20 s=21
